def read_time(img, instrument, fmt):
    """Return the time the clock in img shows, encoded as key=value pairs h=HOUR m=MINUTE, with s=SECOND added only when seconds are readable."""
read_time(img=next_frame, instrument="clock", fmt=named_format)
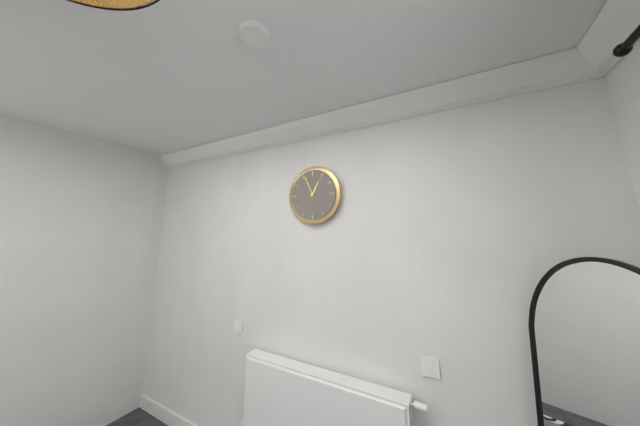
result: h=12 m=56
